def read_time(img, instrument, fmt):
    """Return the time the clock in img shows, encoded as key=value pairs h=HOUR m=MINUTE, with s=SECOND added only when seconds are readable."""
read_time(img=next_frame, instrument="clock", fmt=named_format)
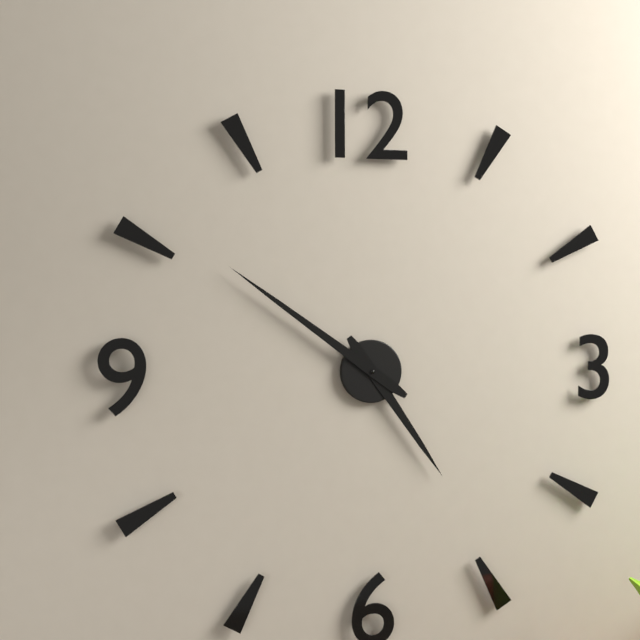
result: h=4 m=51
